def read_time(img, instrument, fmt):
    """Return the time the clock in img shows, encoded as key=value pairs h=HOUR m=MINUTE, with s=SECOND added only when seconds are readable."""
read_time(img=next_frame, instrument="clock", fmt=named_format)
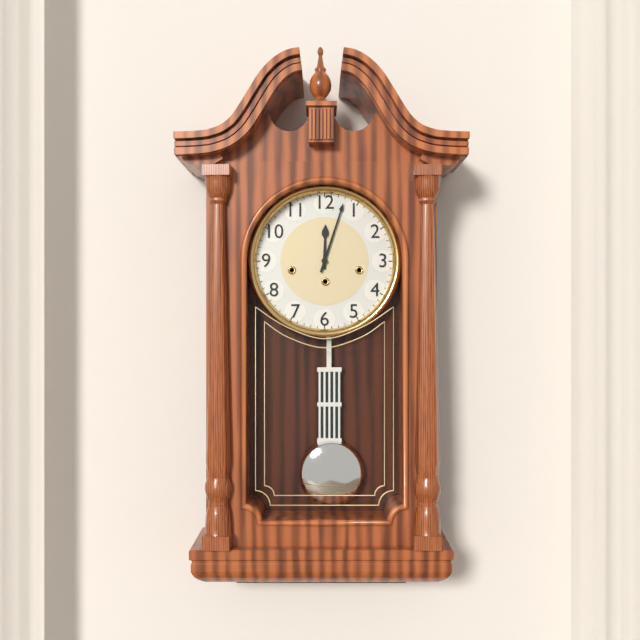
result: h=12 m=3
